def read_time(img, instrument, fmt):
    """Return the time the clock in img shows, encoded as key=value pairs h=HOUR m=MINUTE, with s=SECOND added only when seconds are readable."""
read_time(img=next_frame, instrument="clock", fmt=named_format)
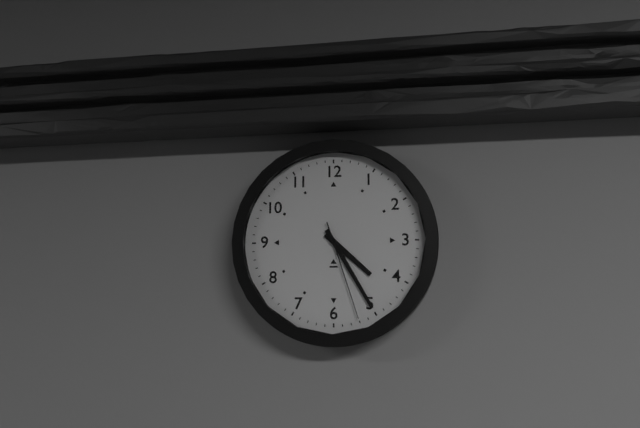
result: h=4 m=25 s=27
